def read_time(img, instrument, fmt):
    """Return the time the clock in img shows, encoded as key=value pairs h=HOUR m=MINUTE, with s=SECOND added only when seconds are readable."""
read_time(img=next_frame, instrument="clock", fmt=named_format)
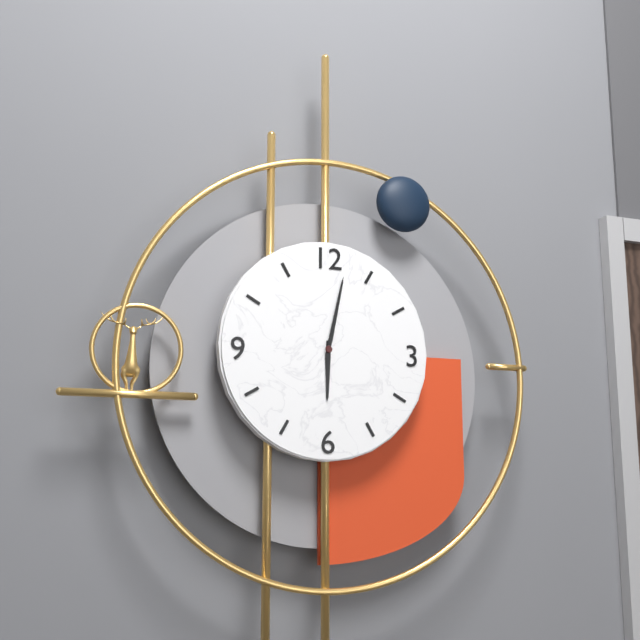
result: h=6 m=2
